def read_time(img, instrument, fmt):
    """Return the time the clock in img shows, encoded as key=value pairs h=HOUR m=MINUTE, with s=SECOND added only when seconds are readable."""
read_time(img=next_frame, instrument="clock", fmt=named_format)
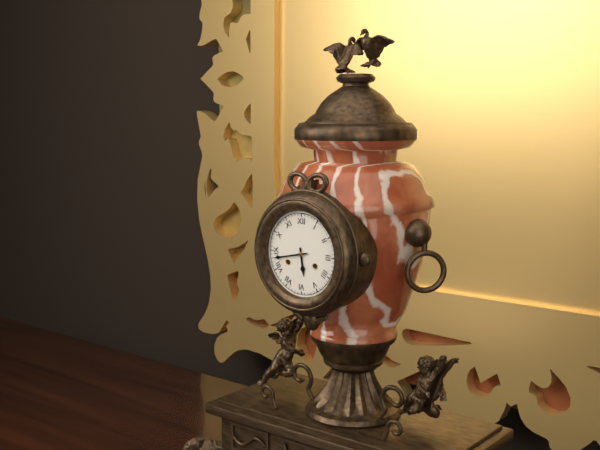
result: h=5 m=43
